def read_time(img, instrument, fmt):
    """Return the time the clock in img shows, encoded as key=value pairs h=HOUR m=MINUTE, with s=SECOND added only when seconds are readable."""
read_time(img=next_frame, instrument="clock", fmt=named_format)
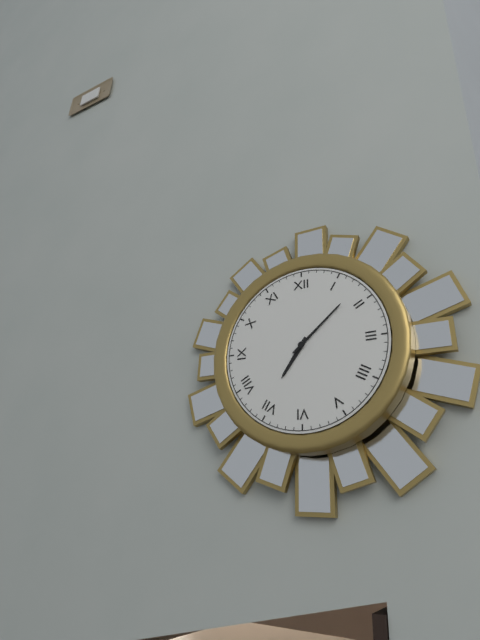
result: h=7 m=8
